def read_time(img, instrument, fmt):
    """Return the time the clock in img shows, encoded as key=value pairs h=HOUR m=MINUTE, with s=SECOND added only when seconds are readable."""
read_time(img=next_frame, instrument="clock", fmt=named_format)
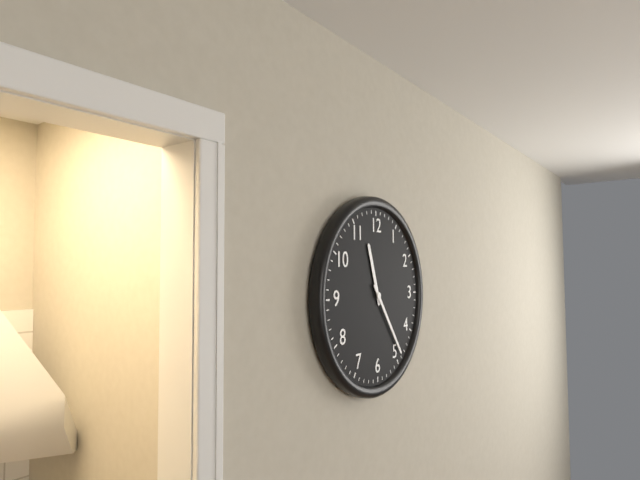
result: h=11 m=24
